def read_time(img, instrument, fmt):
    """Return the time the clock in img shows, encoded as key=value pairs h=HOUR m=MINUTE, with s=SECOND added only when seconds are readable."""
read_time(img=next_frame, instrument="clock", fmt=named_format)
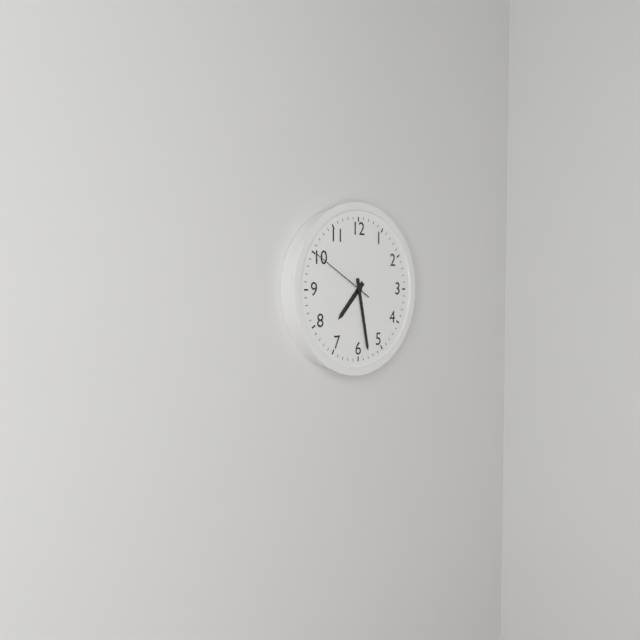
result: h=7 m=28 s=50
